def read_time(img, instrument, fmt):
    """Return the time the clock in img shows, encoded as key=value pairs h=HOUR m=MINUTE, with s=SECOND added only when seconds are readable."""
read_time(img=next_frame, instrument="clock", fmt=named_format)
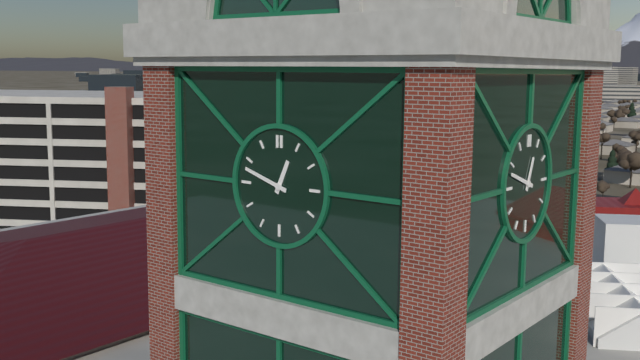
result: h=12 m=48
